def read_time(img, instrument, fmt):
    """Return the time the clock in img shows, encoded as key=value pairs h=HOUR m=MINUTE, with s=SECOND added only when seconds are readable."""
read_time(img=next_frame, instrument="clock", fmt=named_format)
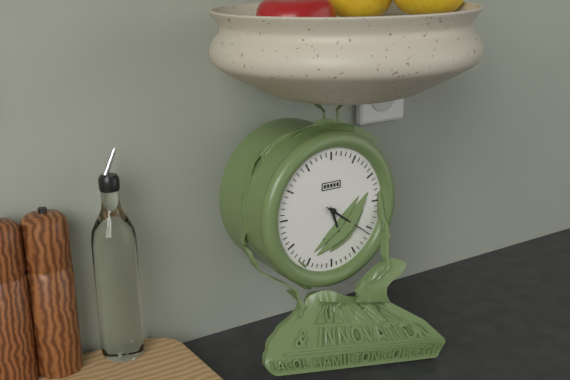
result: h=5 m=21
